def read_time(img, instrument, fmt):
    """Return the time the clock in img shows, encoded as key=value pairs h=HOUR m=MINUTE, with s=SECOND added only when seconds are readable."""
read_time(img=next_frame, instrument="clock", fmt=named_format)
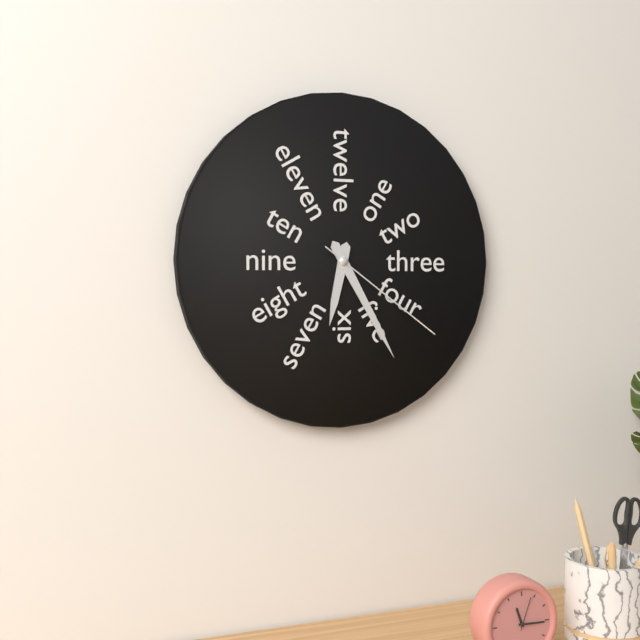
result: h=6 m=25 s=21
